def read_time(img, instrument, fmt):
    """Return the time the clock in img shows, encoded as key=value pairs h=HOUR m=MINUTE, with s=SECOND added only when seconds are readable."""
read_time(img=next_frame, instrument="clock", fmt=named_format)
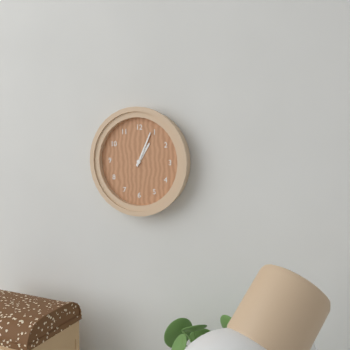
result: h=1 m=4
